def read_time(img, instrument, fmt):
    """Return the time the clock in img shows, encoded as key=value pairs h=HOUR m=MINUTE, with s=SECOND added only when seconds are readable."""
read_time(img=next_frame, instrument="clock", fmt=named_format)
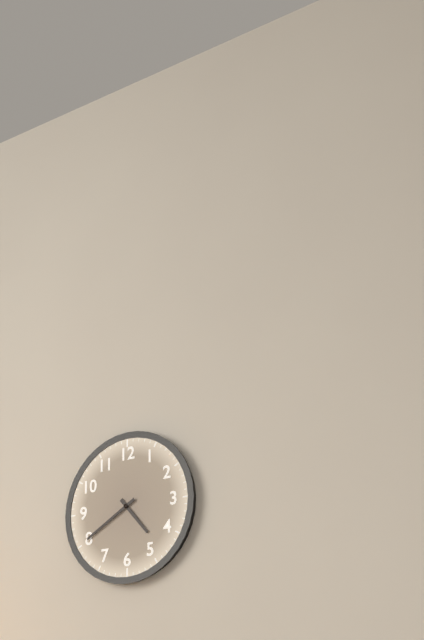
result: h=4 m=40
